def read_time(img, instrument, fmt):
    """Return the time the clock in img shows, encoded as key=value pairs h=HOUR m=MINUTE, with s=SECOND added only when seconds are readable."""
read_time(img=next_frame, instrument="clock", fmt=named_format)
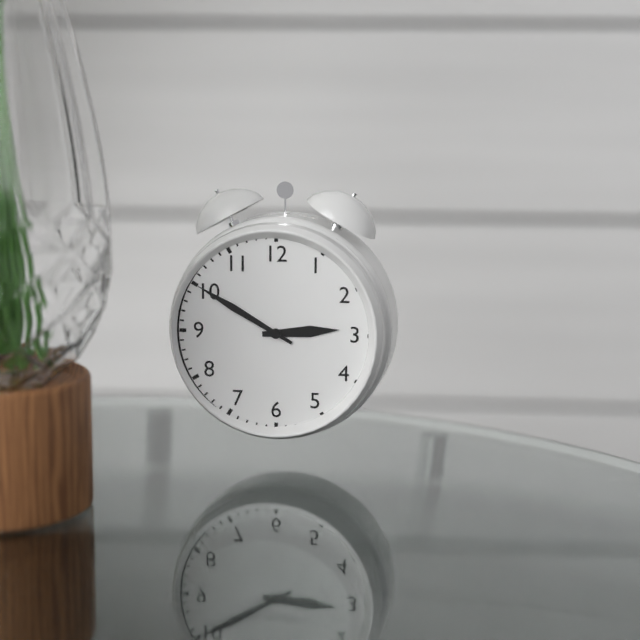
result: h=2 m=50
